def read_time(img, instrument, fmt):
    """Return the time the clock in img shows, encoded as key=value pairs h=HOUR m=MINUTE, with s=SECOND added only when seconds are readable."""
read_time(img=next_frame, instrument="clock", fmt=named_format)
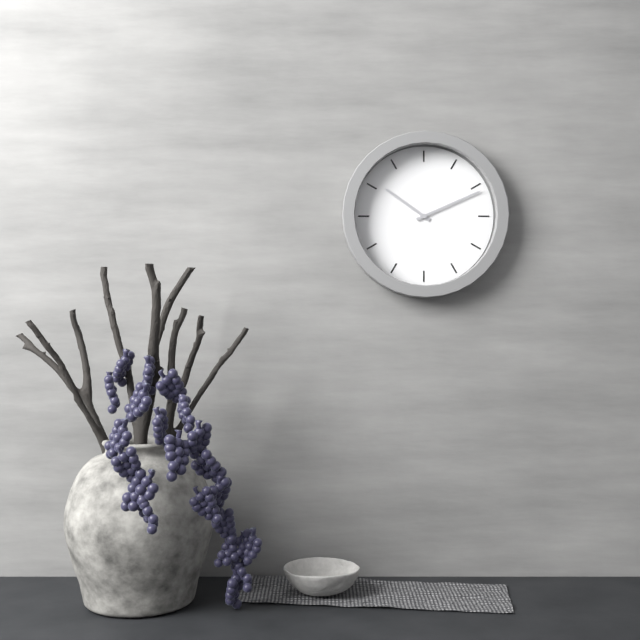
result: h=10 m=11
